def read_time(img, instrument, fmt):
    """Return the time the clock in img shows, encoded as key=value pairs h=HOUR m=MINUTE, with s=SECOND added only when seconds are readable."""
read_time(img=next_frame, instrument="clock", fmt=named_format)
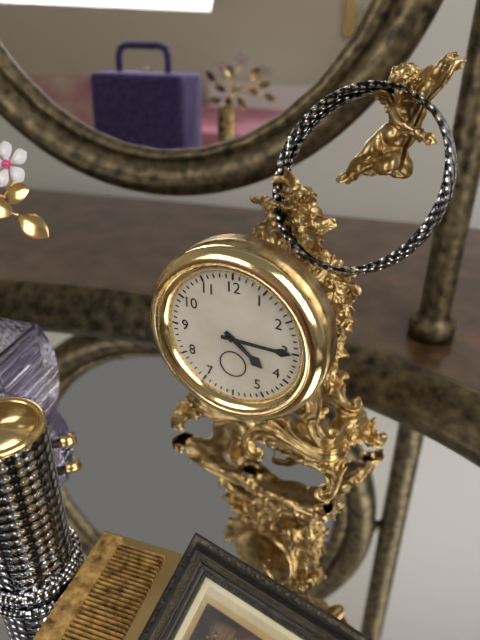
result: h=4 m=15
